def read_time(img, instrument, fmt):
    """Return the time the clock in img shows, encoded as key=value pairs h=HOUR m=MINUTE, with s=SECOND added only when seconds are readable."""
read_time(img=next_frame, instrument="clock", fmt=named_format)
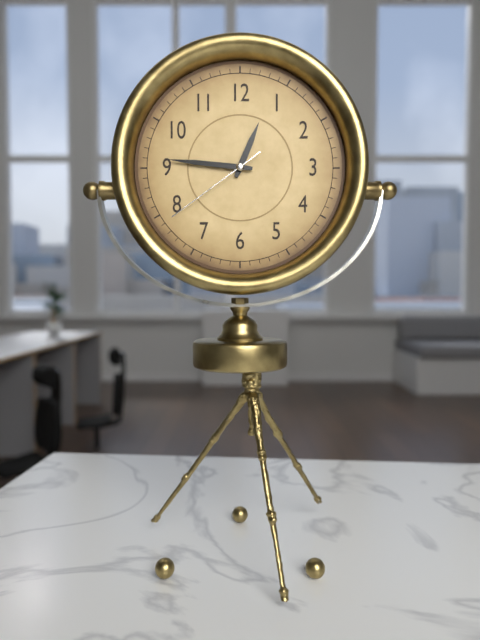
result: h=12 m=46 s=39
